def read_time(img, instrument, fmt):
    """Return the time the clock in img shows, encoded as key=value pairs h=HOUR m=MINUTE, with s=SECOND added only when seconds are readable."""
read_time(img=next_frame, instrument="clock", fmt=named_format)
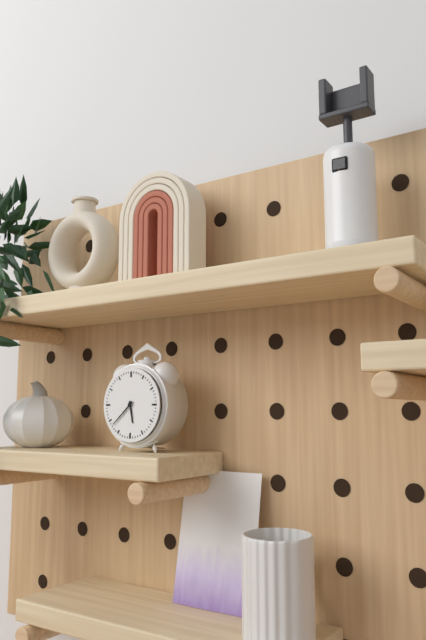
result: h=5 m=38
